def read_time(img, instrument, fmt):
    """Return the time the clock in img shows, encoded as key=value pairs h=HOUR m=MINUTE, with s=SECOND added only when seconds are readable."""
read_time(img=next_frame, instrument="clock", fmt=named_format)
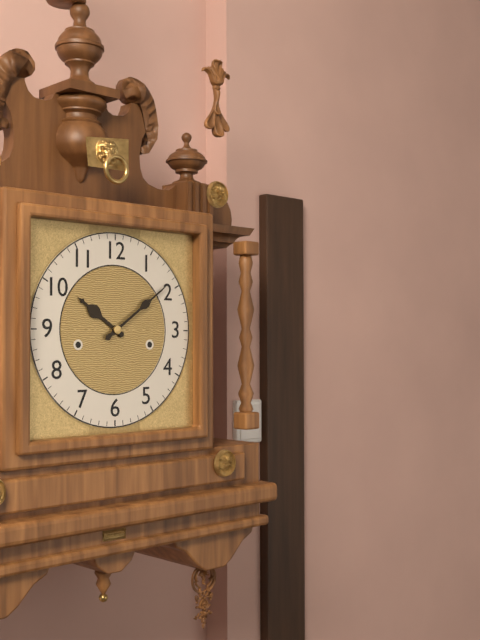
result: h=10 m=9
